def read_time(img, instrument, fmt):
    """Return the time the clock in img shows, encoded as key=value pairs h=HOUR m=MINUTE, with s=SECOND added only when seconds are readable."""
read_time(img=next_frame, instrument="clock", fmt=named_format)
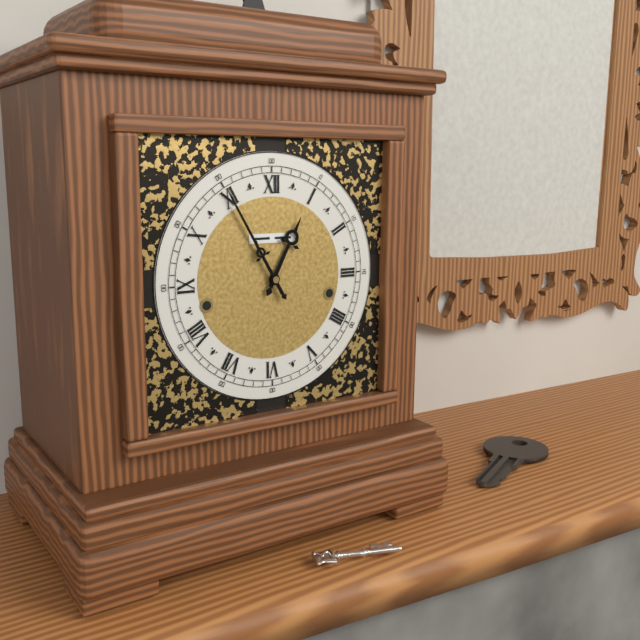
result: h=12 m=55
